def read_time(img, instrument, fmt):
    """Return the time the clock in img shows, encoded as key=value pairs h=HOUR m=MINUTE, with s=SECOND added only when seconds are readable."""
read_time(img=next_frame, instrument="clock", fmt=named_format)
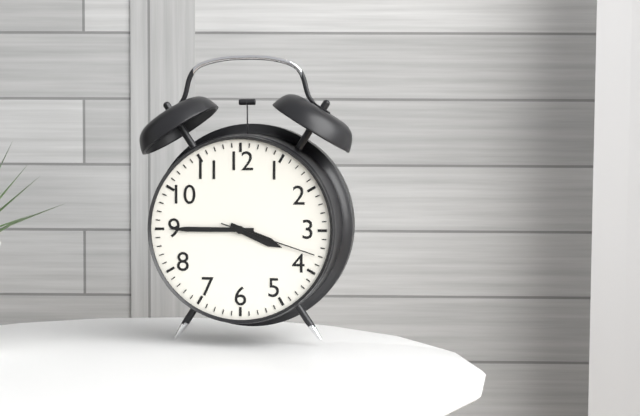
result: h=3 m=45 s=18
